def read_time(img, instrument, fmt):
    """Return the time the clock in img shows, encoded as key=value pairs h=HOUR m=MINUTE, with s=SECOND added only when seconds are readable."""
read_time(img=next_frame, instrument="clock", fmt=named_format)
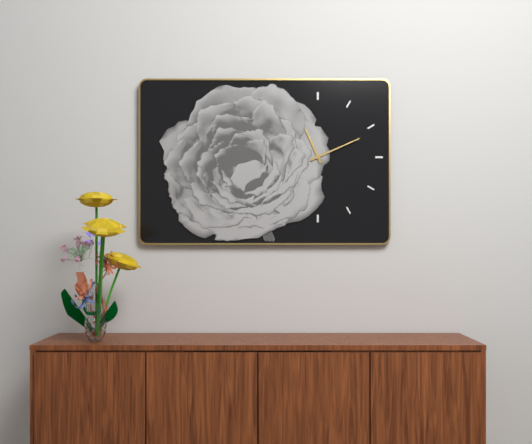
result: h=11 m=11
